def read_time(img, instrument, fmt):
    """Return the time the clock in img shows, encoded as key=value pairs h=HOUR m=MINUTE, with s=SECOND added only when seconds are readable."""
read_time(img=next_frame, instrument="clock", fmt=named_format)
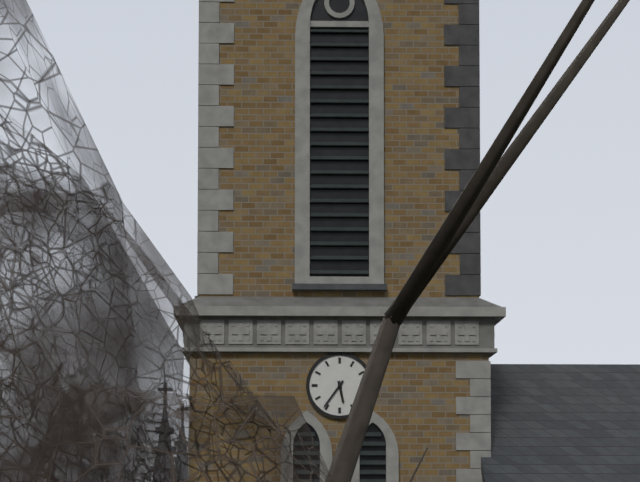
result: h=5 m=36
